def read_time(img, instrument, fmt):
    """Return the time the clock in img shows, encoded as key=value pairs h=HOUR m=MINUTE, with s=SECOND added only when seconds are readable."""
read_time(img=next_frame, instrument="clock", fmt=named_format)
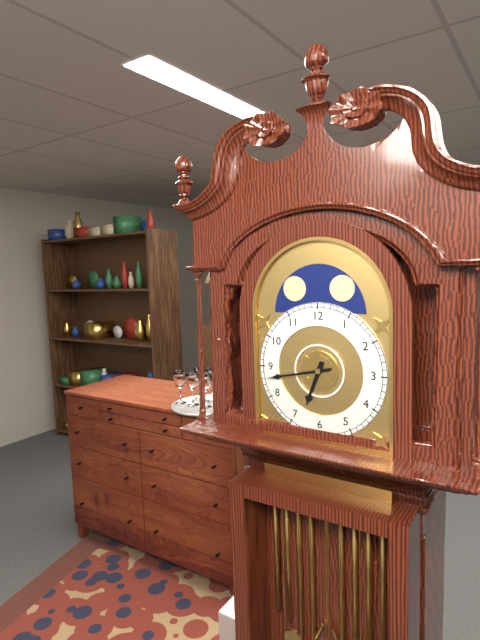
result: h=6 m=43
